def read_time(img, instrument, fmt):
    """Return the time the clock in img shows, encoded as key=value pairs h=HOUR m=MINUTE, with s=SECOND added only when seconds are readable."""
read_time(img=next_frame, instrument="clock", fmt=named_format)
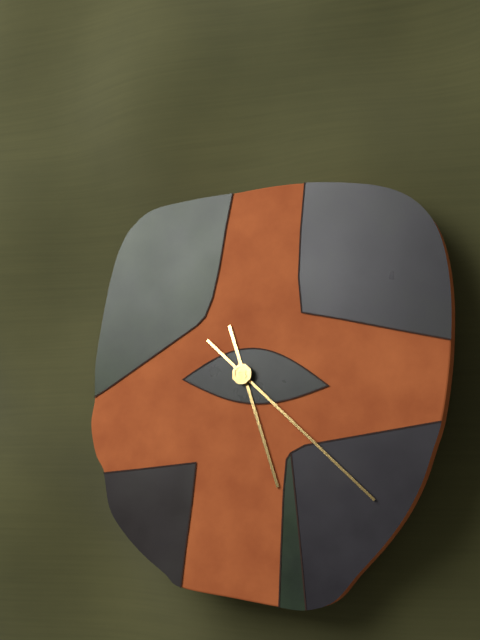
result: h=5 m=22
